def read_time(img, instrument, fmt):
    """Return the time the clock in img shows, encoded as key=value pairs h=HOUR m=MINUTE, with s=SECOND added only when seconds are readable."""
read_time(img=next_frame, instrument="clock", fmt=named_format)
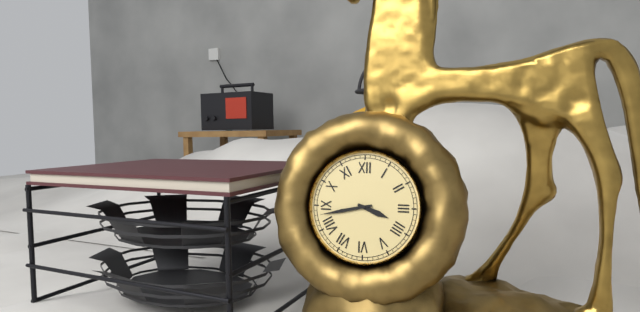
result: h=3 m=43
